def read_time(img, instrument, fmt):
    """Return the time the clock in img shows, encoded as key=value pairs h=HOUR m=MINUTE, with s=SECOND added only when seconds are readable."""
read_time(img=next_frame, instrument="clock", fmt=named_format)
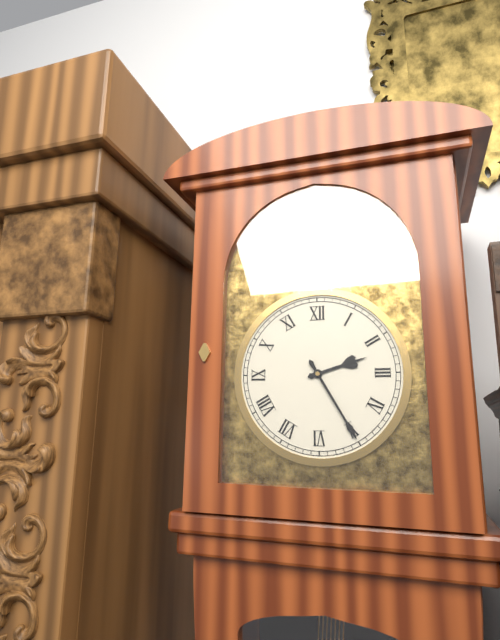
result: h=2 m=25
